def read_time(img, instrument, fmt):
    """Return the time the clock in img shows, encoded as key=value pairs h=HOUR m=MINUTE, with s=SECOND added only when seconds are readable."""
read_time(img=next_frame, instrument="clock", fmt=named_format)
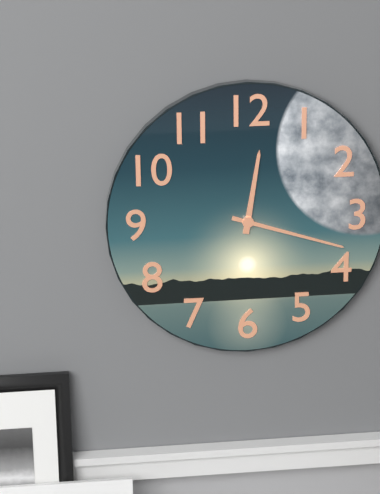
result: h=12 m=18
